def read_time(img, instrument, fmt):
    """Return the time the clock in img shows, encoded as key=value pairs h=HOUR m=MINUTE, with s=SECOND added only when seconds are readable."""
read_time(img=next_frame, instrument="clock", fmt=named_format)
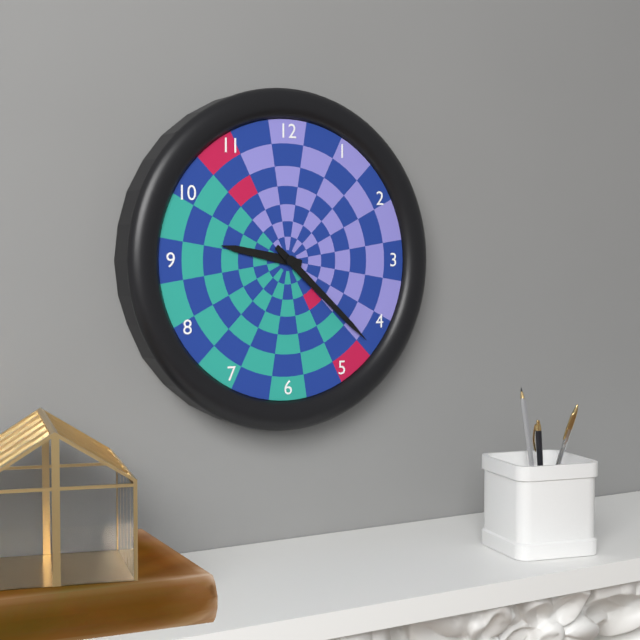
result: h=9 m=22
